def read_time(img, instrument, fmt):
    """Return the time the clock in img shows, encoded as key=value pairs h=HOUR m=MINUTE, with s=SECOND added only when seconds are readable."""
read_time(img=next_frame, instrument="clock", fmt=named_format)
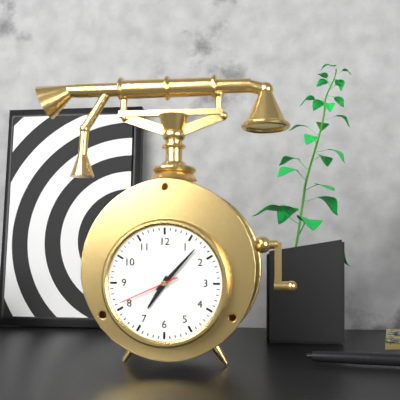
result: h=7 m=7 s=41
